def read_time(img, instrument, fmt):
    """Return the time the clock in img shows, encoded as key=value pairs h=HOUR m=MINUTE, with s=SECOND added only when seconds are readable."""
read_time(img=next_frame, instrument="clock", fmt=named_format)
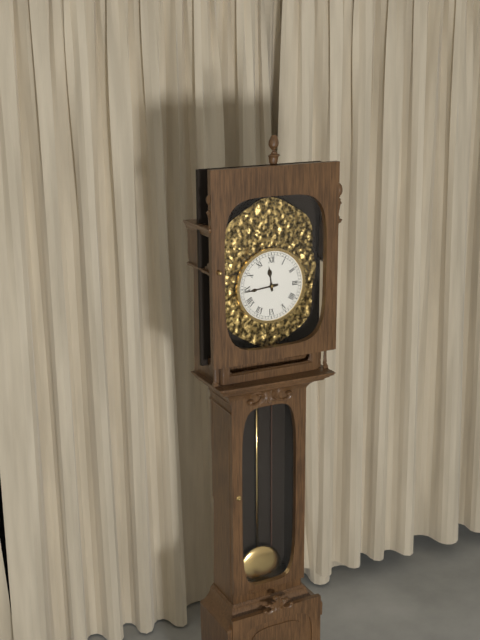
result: h=11 m=44
